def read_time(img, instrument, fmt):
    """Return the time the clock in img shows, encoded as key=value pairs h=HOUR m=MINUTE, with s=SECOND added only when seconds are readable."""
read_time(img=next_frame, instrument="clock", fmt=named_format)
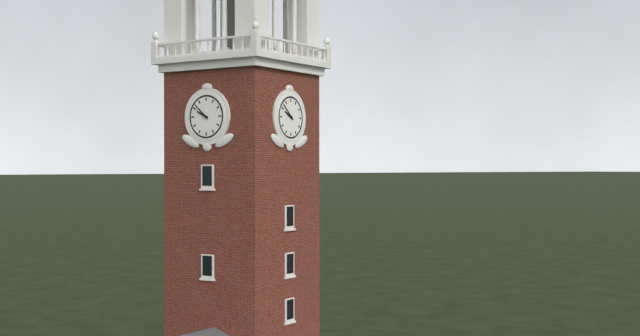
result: h=9 m=52
